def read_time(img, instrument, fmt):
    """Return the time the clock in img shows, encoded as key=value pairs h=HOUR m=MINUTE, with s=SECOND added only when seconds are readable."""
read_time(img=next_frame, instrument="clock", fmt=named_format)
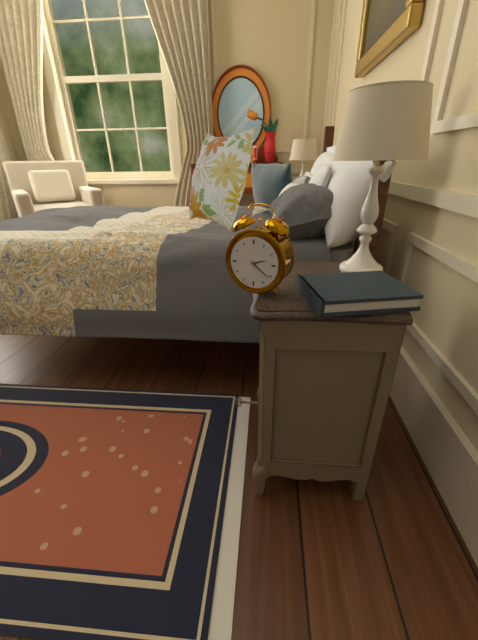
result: h=2 m=21
